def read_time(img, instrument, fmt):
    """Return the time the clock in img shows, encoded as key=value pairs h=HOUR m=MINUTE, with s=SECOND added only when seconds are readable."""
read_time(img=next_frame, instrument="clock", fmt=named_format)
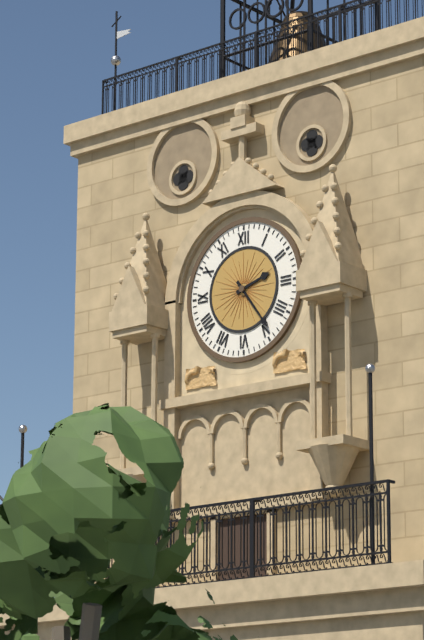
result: h=2 m=24
